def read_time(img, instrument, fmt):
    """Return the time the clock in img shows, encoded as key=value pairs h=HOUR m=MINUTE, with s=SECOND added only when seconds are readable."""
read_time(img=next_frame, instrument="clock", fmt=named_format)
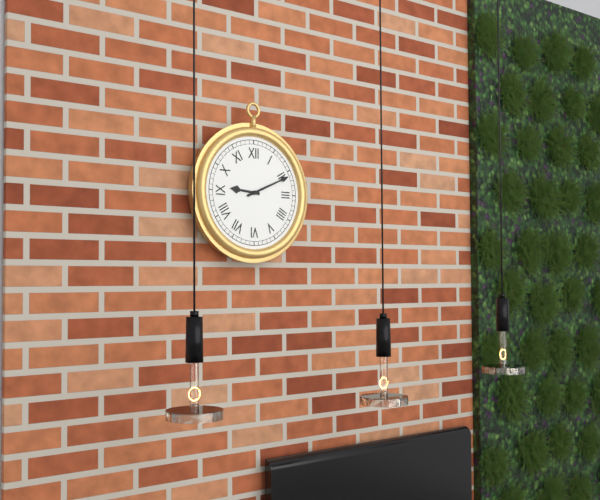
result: h=9 m=11
